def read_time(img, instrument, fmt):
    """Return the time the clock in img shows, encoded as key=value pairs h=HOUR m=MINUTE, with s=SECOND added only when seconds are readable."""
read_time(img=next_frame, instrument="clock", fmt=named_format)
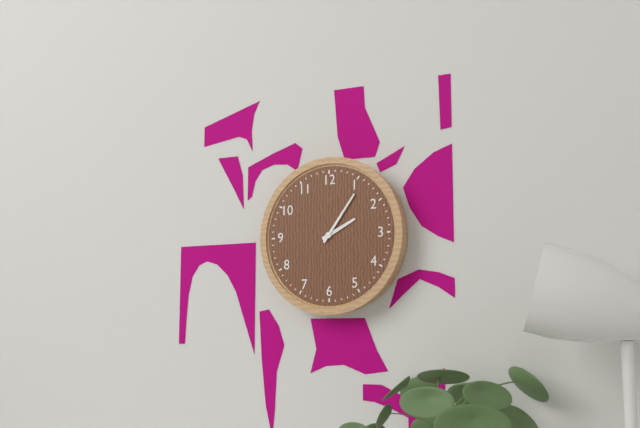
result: h=2 m=6
